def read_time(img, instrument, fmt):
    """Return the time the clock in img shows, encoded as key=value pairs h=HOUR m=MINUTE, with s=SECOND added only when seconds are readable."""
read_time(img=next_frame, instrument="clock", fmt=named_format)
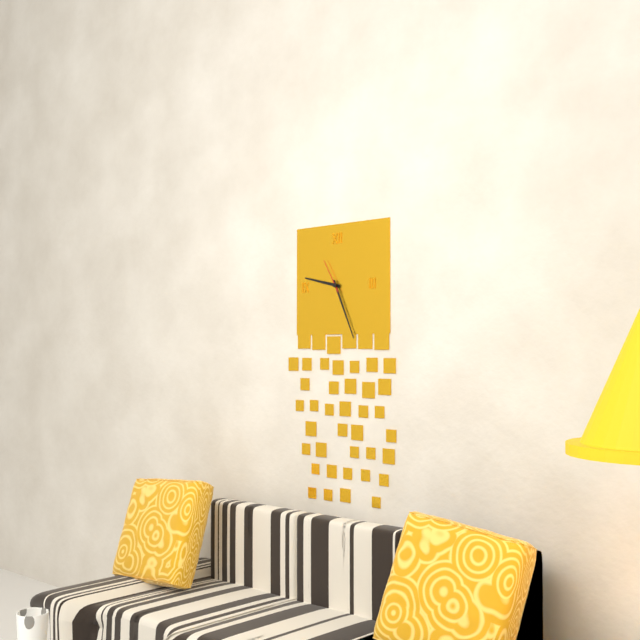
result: h=9 m=26
